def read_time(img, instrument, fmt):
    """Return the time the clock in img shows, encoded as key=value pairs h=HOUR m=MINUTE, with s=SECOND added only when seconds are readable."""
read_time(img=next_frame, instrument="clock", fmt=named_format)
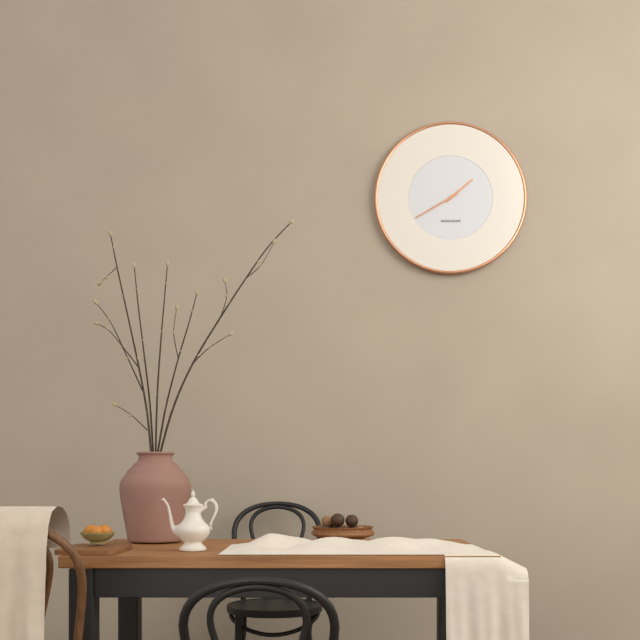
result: h=1 m=40
